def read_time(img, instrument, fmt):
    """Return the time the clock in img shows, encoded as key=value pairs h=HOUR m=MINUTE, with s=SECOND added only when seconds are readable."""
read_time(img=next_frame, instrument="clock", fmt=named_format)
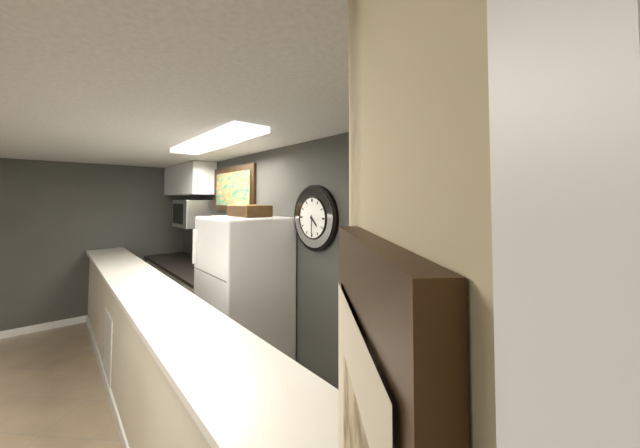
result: h=4 m=30
